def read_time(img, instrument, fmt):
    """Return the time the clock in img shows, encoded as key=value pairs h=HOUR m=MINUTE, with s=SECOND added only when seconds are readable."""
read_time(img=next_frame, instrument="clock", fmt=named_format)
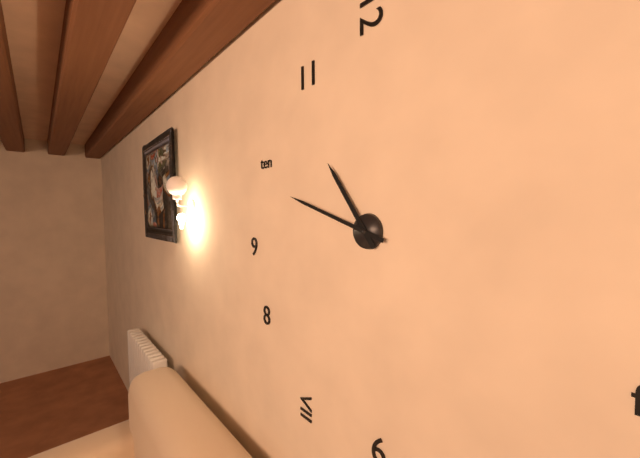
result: h=10 m=48
